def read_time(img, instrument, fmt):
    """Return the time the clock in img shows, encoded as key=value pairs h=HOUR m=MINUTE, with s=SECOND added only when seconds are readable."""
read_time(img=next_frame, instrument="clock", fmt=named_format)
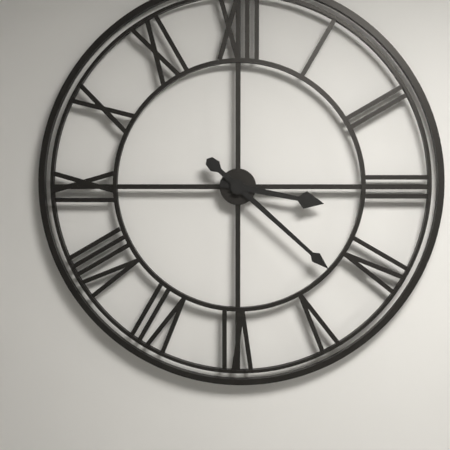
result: h=3 m=22
